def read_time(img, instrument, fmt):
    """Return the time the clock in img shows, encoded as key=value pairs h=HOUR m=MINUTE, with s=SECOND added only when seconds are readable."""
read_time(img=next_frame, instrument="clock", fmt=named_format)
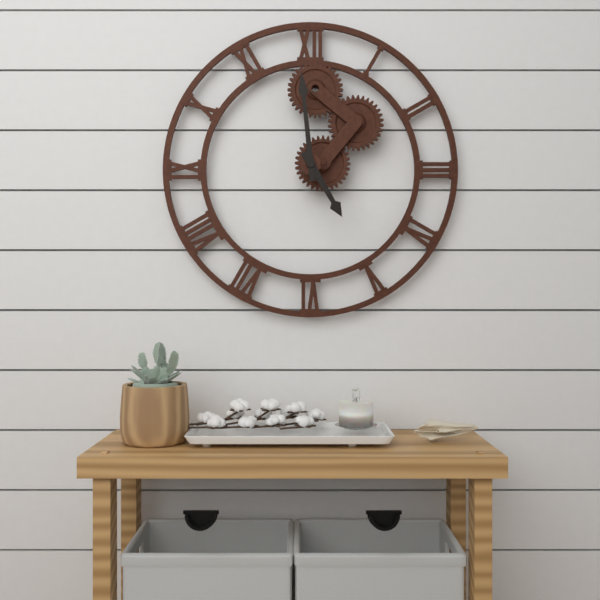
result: h=4 m=59
